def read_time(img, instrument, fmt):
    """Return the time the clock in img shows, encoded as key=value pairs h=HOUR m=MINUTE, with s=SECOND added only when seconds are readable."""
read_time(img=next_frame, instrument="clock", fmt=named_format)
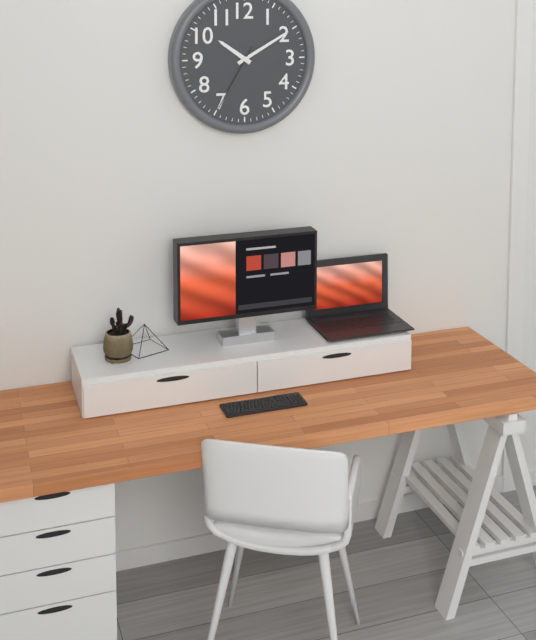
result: h=10 m=10 s=35
